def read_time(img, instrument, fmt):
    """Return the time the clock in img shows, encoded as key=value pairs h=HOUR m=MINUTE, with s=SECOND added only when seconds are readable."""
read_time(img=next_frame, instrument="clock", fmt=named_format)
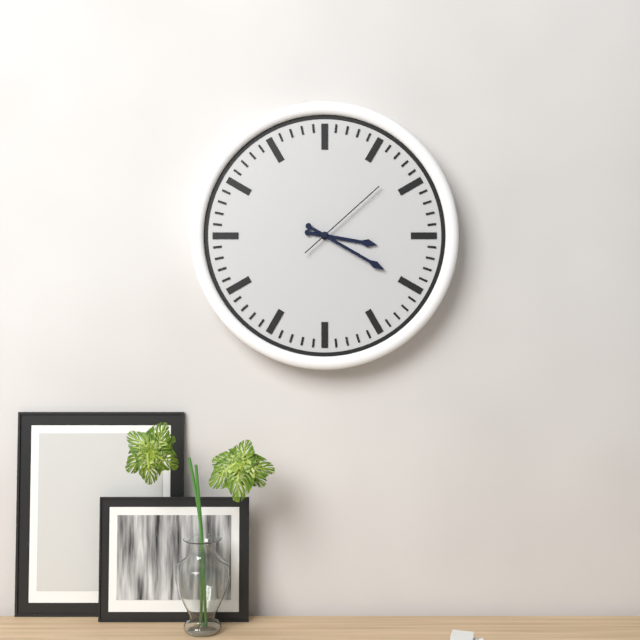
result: h=3 m=20 s=8
